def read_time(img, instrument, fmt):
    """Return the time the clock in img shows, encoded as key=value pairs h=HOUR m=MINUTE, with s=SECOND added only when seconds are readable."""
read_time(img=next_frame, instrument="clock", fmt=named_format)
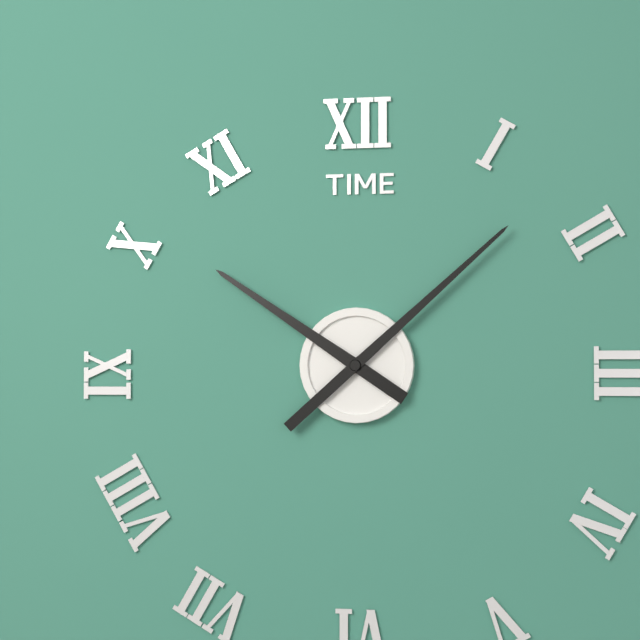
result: h=10 m=8
